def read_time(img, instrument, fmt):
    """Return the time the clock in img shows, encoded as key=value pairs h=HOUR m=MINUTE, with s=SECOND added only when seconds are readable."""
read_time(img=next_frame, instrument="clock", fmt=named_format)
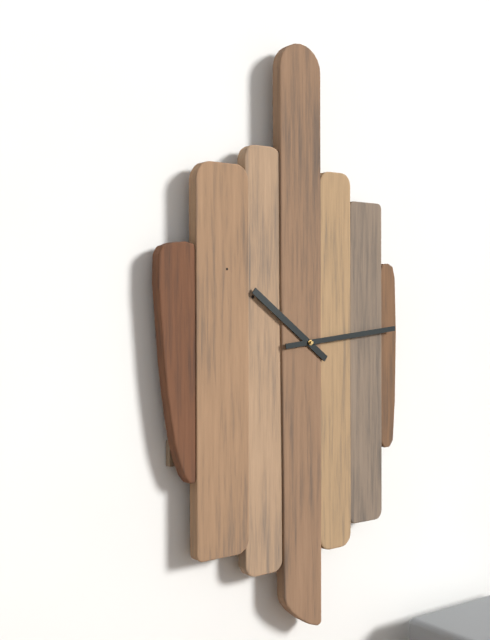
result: h=10 m=14
